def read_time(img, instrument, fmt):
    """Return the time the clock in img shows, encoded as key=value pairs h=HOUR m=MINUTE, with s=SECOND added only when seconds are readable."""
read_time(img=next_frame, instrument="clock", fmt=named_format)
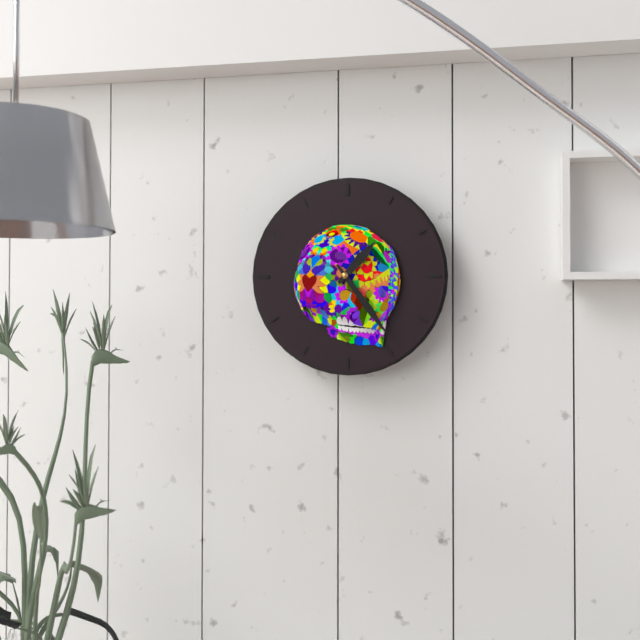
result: h=1 m=24
